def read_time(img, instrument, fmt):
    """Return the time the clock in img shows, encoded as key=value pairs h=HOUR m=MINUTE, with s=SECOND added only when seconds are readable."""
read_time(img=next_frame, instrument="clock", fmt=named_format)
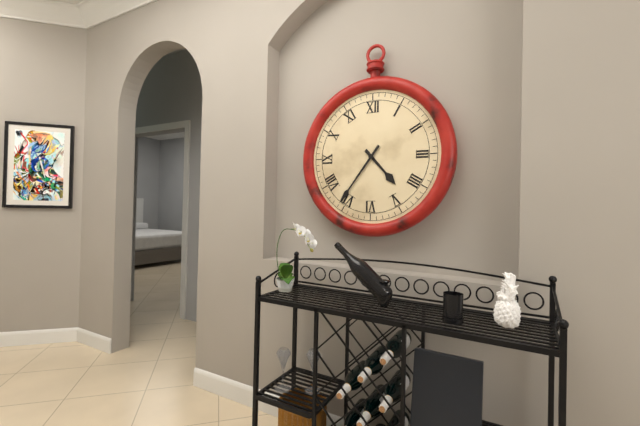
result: h=4 m=36
